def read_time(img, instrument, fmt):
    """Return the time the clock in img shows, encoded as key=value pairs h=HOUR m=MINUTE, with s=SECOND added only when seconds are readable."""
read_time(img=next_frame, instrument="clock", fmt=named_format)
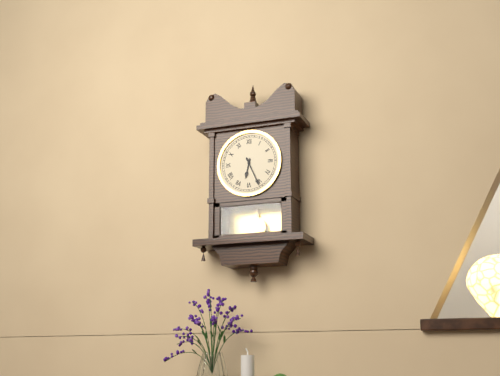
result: h=6 m=26
